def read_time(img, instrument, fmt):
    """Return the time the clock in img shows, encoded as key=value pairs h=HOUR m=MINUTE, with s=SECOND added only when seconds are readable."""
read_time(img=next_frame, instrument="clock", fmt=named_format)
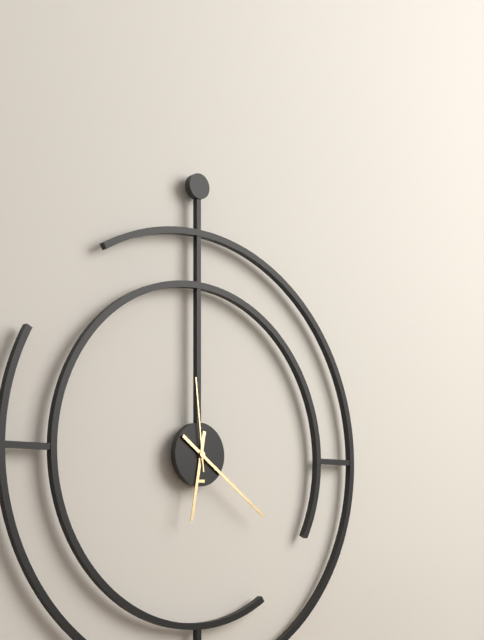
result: h=6 m=21 s=59
